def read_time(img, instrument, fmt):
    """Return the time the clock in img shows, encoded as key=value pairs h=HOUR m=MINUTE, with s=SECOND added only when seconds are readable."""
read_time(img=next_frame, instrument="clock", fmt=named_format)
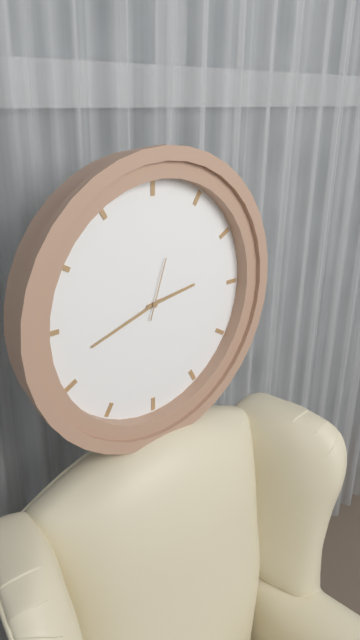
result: h=2 m=42 s=3
